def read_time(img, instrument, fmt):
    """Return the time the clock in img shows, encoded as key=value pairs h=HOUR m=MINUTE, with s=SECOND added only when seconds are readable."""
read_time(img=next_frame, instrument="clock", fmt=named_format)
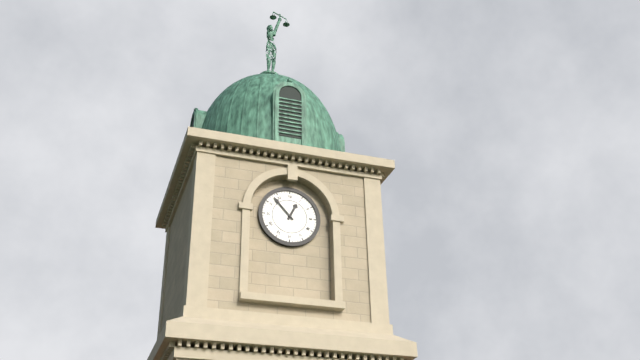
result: h=12 m=53
